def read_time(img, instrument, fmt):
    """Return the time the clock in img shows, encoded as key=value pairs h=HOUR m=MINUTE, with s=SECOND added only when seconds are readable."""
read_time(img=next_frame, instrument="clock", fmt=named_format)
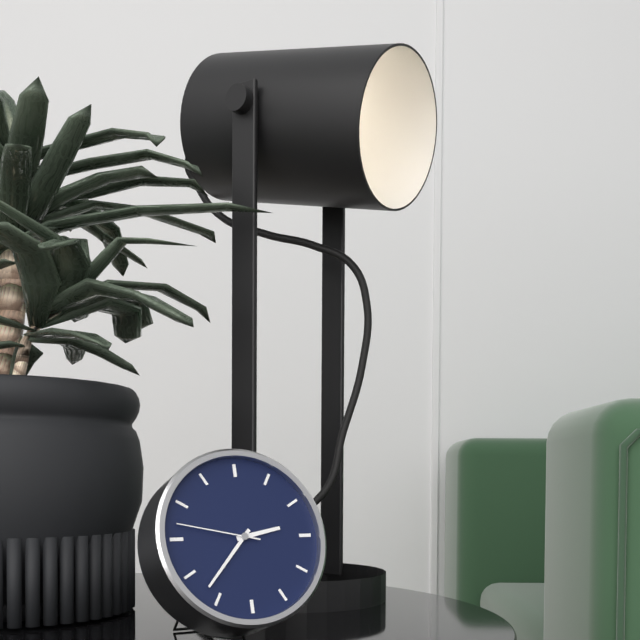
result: h=2 m=37 s=47
